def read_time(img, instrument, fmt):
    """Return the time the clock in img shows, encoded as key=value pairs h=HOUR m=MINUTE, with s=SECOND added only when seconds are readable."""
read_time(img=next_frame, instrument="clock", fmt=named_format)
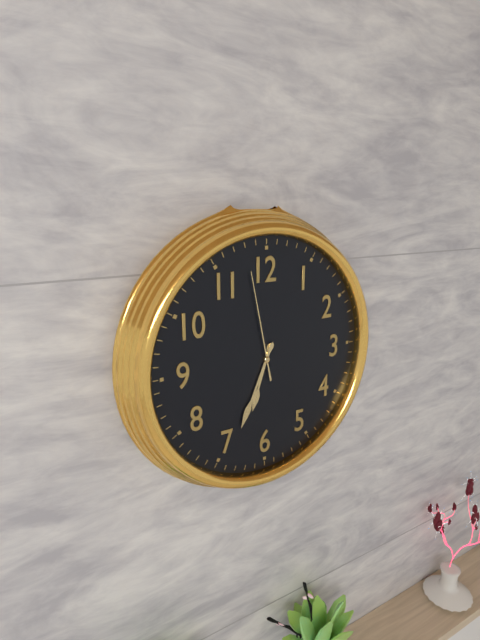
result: h=6 m=34 s=58
